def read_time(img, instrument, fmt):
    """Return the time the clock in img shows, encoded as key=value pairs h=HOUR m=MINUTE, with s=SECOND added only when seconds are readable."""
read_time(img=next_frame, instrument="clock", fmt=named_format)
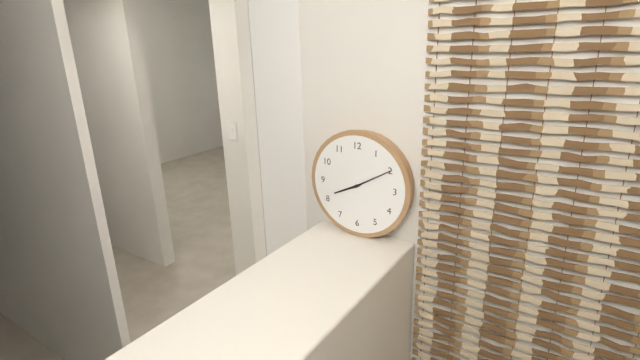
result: h=8 m=10
